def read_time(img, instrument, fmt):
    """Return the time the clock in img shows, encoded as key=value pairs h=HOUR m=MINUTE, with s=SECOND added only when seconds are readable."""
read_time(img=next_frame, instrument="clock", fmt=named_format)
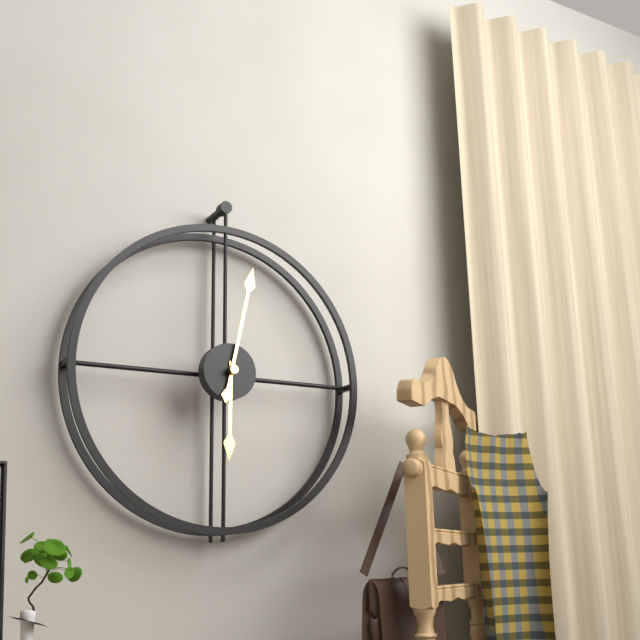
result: h=6 m=2
